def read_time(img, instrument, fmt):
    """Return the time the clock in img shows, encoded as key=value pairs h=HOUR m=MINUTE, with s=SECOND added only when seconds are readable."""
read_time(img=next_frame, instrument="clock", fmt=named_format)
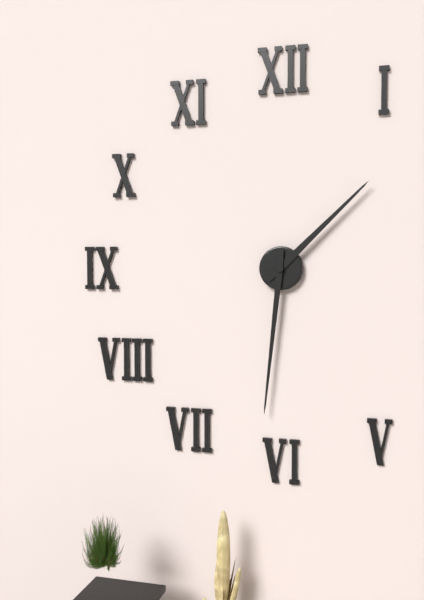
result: h=1 m=31
